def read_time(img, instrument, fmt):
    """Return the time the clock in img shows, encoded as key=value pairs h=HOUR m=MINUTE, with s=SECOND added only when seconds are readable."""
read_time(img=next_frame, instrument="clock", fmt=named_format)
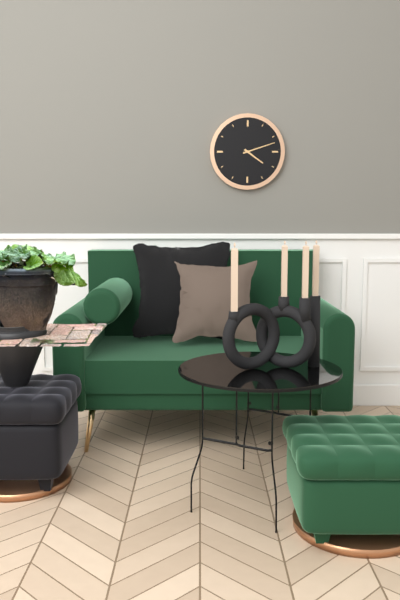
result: h=4 m=12
